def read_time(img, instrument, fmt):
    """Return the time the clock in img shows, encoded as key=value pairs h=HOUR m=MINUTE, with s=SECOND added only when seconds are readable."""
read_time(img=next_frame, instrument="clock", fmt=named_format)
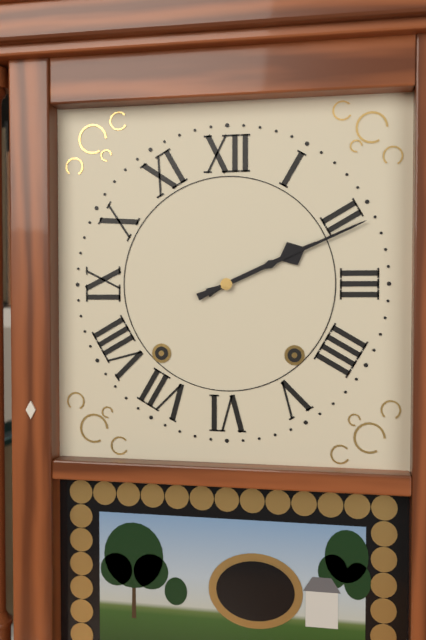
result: h=2 m=11
